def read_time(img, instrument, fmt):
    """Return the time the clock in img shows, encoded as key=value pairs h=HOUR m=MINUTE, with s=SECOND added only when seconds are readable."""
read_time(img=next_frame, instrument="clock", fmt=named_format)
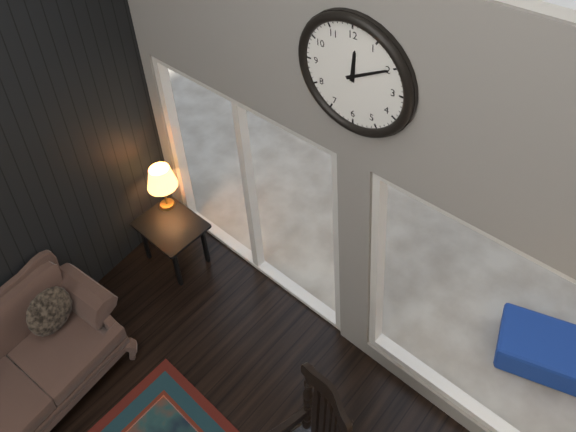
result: h=12 m=10
